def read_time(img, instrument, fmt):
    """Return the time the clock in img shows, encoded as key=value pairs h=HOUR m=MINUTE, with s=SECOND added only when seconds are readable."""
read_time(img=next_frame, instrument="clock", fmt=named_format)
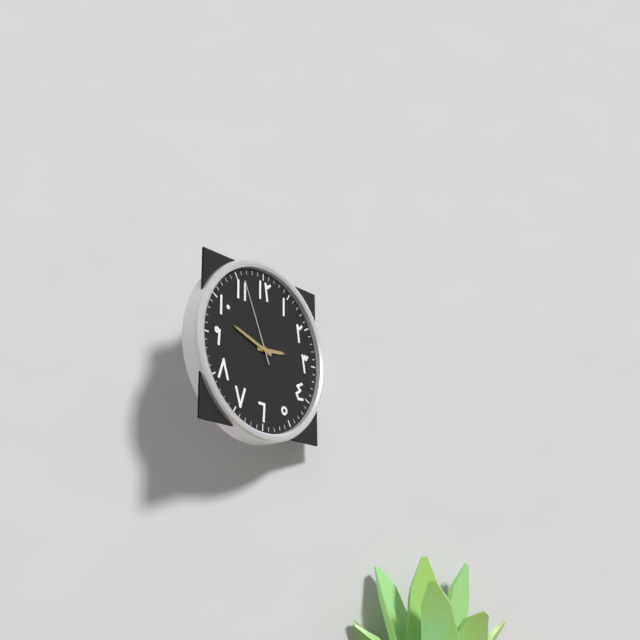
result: h=2 m=48 s=56
